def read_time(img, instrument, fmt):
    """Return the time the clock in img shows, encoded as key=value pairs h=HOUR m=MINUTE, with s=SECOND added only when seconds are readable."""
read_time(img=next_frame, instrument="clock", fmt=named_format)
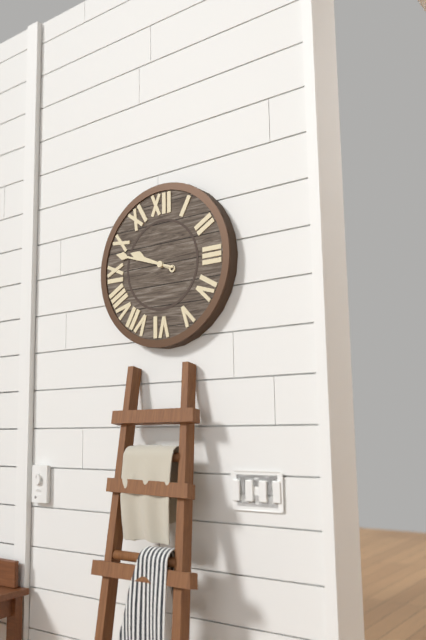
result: h=9 m=48
